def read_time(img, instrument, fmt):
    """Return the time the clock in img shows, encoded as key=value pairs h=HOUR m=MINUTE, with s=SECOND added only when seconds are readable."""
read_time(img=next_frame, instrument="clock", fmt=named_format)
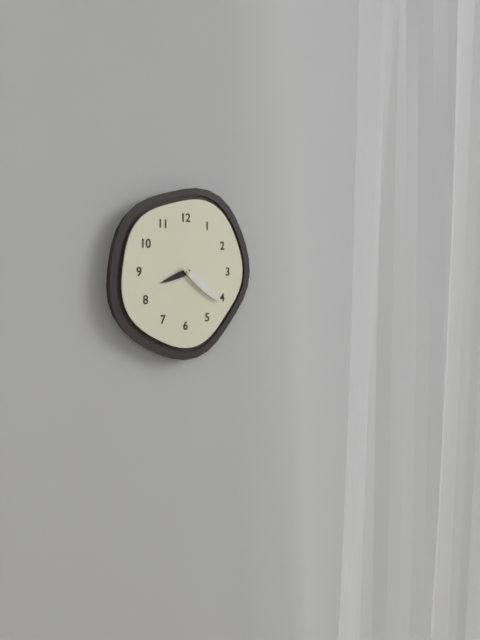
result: h=8 m=21
